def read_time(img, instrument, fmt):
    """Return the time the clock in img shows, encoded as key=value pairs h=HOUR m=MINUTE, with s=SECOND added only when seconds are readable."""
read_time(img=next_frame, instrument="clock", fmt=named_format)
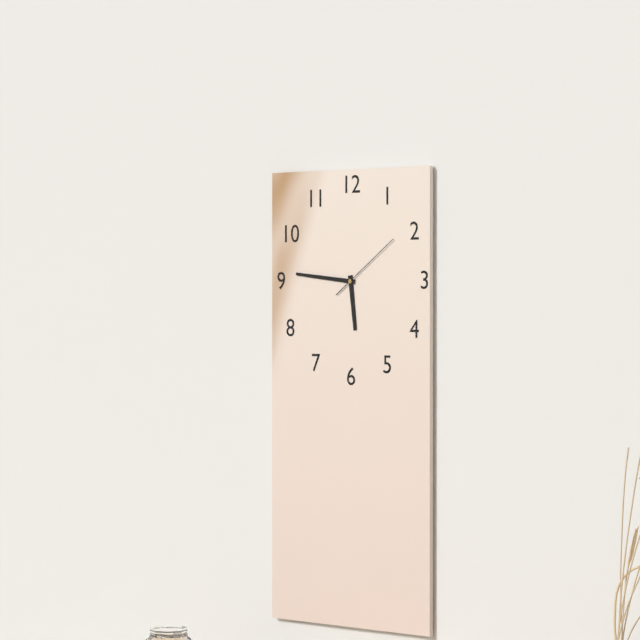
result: h=5 m=46 s=9
